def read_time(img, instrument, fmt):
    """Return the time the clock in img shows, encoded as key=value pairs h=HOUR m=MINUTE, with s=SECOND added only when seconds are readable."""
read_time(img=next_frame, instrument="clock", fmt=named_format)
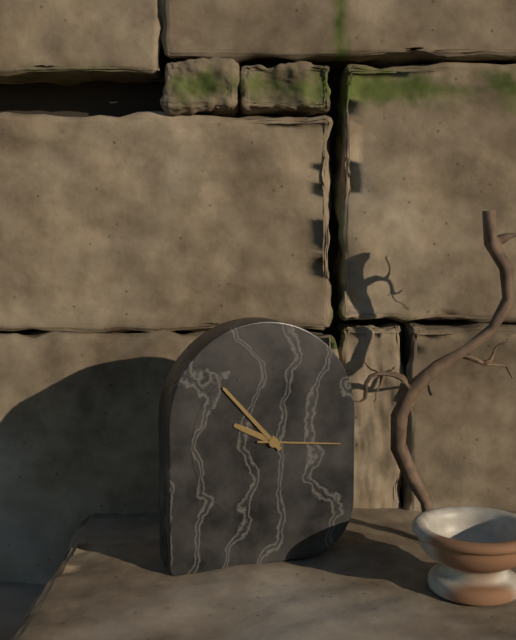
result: h=9 m=53 s=16
